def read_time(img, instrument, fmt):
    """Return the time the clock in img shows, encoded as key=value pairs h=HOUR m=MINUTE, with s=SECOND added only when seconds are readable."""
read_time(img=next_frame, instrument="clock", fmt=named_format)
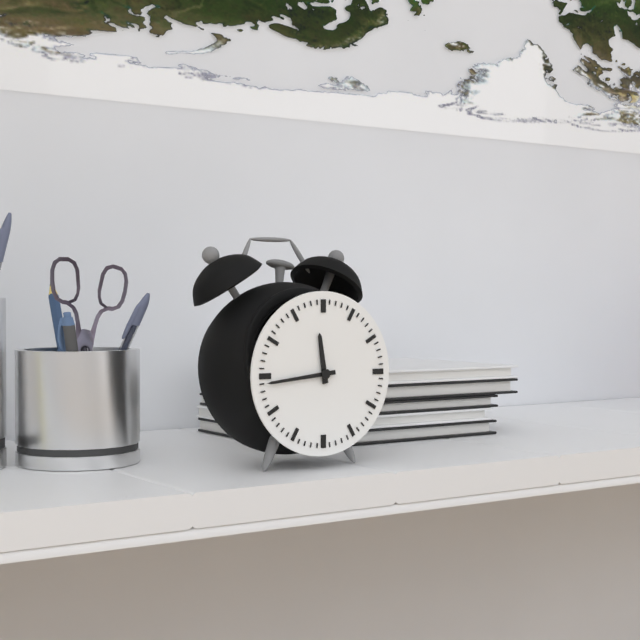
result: h=11 m=44
